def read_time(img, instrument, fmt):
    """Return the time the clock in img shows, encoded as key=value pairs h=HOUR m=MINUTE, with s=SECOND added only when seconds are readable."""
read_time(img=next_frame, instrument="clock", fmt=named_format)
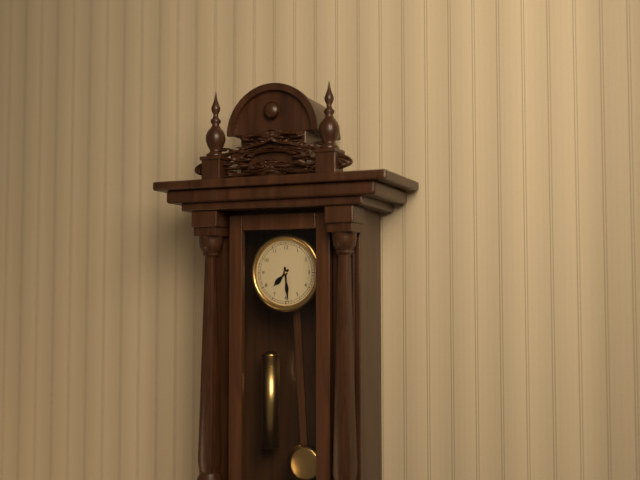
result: h=7 m=29
